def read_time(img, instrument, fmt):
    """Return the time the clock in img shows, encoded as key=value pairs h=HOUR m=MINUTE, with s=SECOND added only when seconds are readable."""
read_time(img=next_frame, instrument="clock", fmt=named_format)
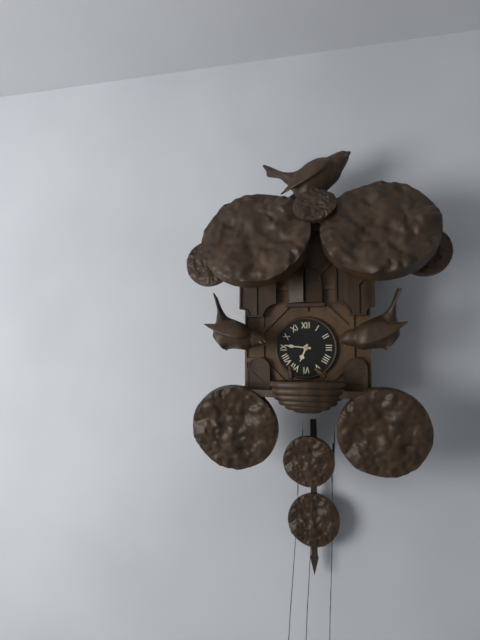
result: h=6 m=46
